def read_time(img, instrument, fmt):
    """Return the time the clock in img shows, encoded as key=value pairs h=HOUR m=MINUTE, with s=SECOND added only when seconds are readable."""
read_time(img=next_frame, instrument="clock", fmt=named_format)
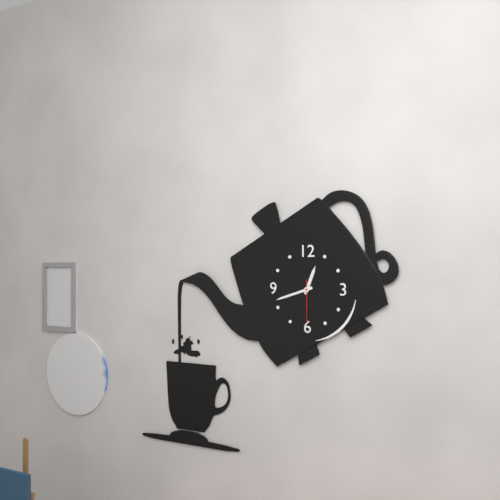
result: h=12 m=42
